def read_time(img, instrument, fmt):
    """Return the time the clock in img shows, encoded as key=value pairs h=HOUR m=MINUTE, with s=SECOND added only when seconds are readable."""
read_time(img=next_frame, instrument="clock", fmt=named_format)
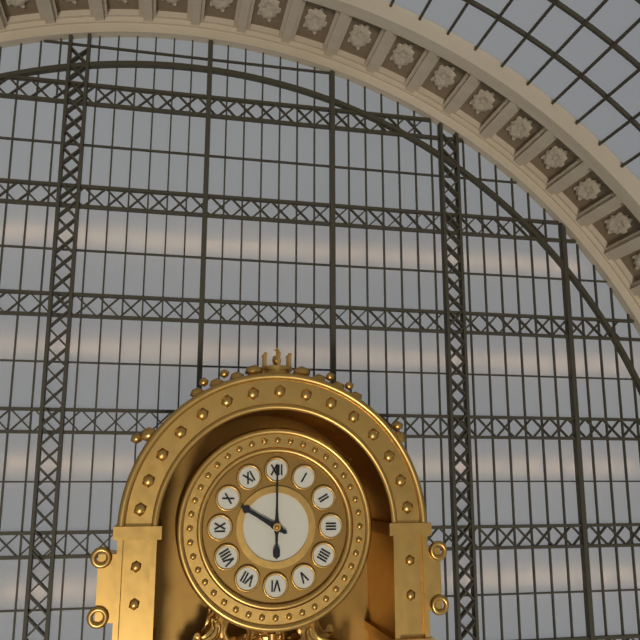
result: h=10 m=0
